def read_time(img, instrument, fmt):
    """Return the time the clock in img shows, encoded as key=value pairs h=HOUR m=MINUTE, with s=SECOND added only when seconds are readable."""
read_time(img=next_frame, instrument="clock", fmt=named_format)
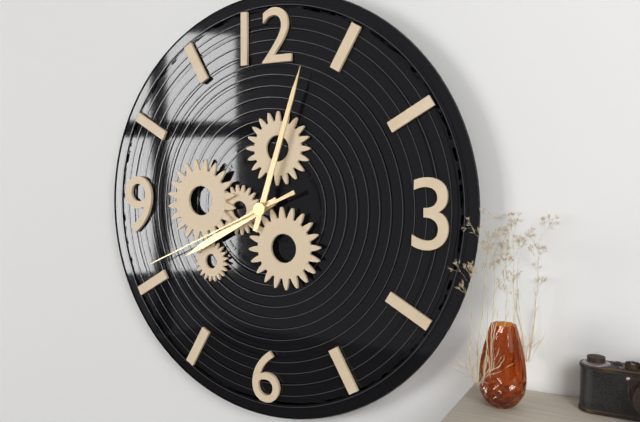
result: h=8 m=3 s=41
